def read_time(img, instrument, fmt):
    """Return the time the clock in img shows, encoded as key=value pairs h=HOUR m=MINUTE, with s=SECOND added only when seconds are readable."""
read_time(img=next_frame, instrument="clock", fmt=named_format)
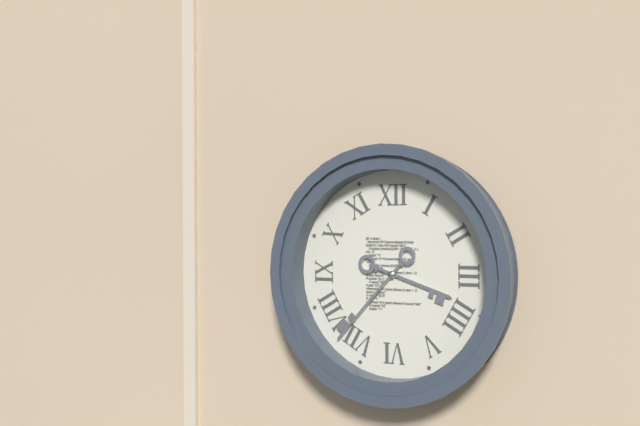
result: h=3 m=37
